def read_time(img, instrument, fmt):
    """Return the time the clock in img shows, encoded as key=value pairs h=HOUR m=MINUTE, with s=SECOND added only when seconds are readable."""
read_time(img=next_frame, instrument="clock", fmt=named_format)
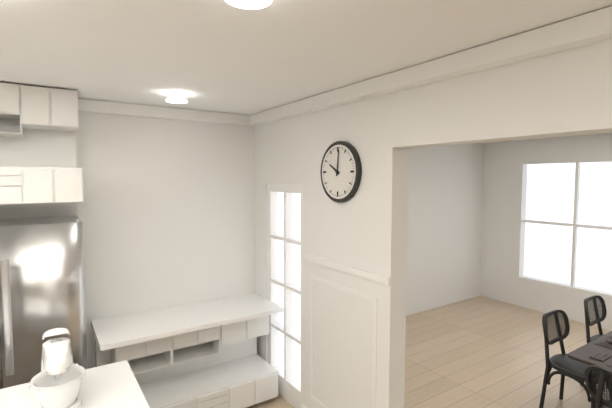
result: h=10 m=1
